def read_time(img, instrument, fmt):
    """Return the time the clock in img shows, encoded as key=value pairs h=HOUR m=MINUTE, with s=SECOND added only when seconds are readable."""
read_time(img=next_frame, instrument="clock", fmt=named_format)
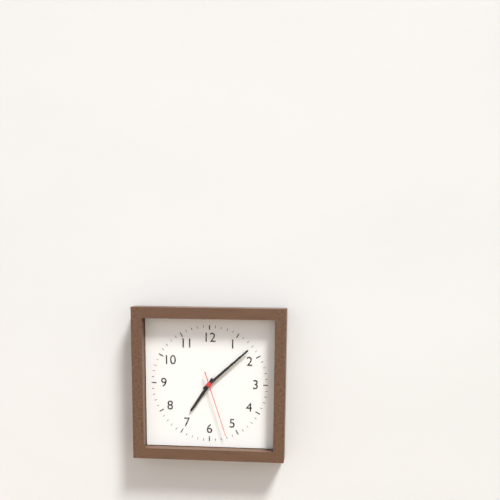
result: h=7 m=8 s=27
